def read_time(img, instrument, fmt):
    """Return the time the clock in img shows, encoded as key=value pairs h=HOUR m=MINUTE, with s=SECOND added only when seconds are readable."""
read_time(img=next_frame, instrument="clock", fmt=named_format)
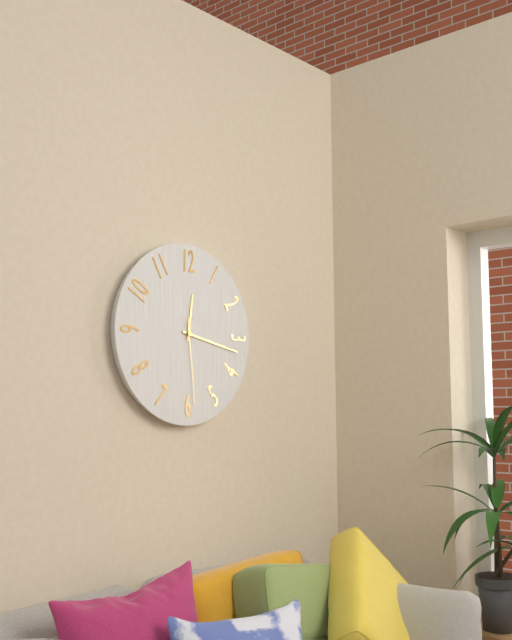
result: h=12 m=17 s=29
